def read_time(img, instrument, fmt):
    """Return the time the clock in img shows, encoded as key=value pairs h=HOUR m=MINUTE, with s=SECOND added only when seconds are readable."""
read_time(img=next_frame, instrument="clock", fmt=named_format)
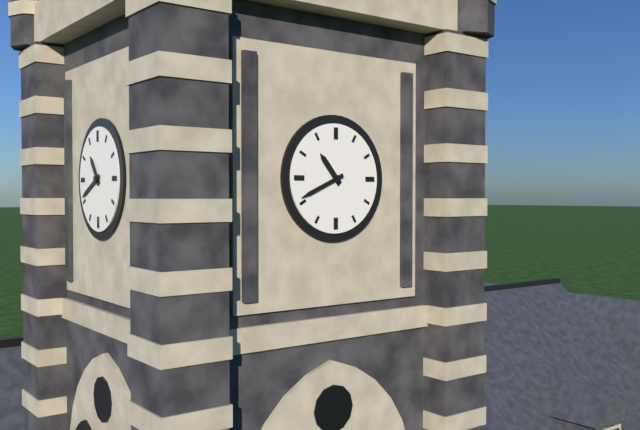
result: h=10 m=41
